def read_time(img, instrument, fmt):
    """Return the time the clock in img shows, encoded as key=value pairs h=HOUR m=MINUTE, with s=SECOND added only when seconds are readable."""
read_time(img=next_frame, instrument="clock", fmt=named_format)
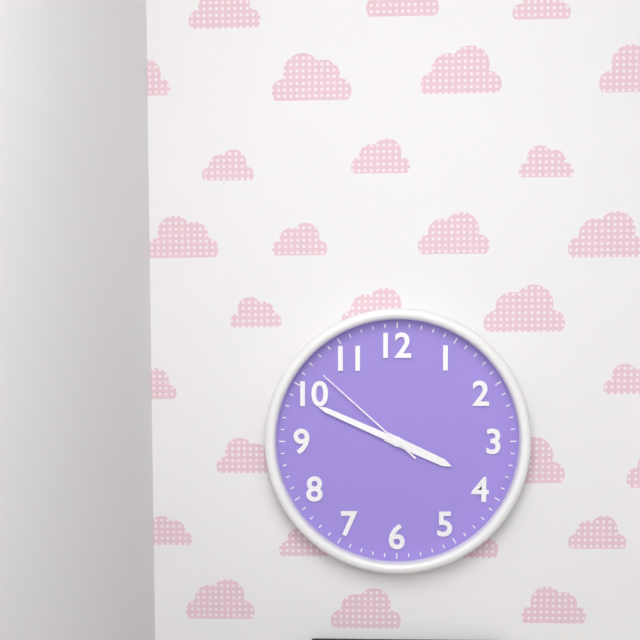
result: h=3 m=49 s=52
